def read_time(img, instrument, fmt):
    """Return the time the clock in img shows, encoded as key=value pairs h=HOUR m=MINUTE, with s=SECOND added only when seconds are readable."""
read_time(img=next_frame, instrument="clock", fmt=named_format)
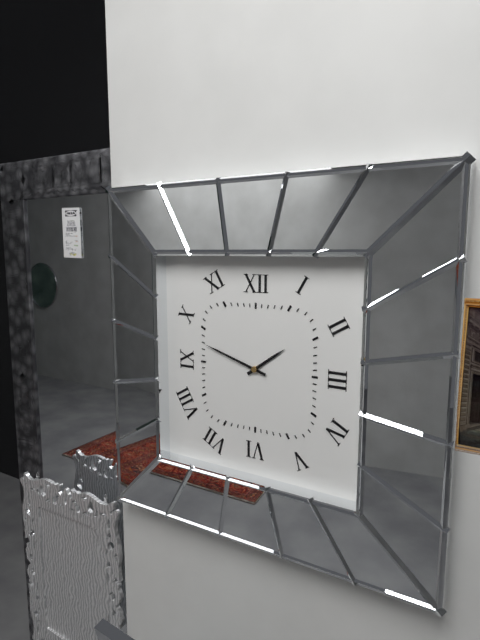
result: h=1 m=48
